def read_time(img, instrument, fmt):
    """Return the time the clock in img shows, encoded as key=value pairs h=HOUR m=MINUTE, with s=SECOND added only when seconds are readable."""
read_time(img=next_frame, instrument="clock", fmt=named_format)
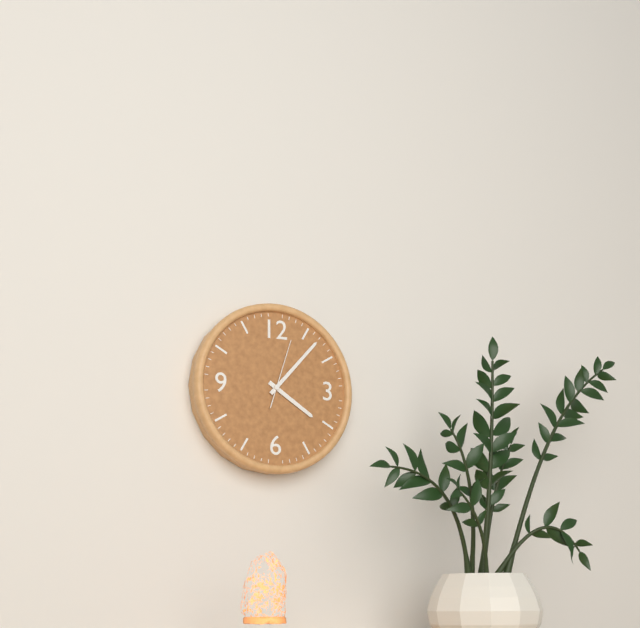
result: h=4 m=7 s=3
